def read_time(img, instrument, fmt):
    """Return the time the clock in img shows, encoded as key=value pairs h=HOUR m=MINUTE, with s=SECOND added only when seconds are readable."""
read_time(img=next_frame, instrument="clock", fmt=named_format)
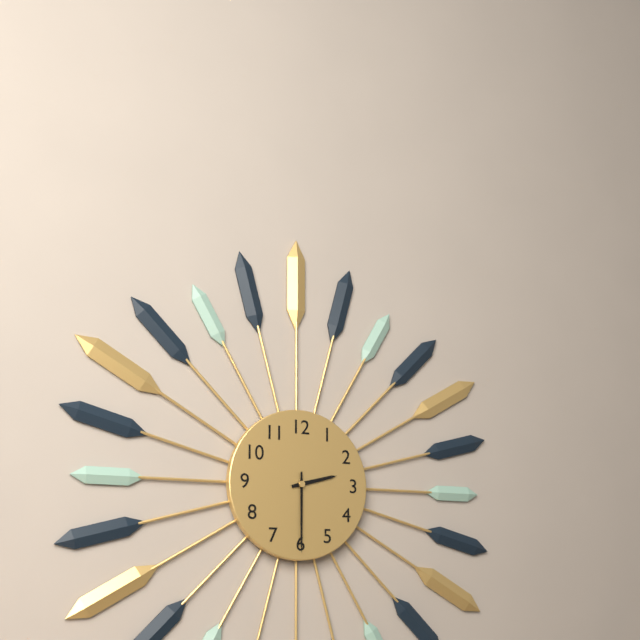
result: h=2 m=30
